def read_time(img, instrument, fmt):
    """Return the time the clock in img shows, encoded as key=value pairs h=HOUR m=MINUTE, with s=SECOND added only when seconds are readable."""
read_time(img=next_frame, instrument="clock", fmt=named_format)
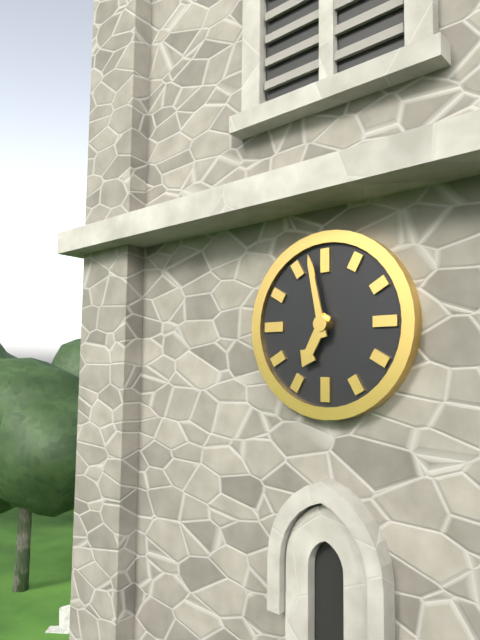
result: h=6 m=58
